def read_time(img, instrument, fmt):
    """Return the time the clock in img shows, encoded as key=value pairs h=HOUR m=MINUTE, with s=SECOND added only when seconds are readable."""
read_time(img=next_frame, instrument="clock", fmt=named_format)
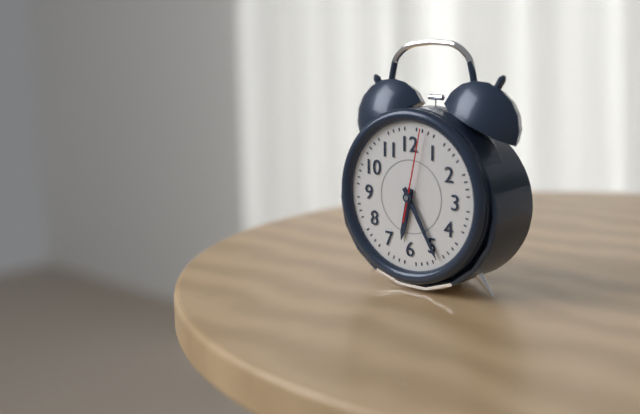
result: h=6 m=25 s=2
